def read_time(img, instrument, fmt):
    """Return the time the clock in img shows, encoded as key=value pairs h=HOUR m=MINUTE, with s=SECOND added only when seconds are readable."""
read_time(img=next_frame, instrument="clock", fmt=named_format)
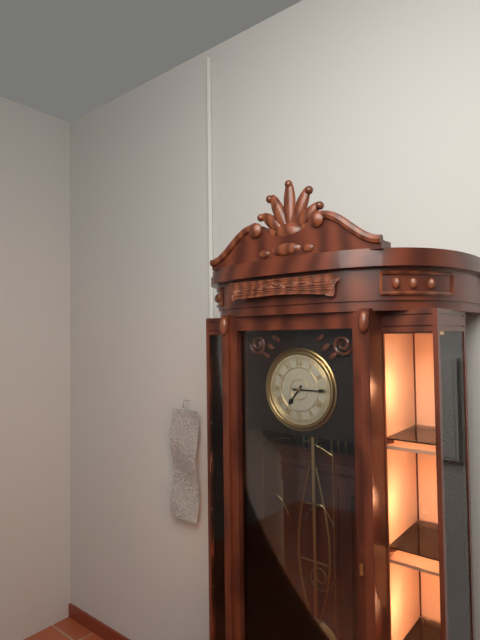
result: h=7 m=15
